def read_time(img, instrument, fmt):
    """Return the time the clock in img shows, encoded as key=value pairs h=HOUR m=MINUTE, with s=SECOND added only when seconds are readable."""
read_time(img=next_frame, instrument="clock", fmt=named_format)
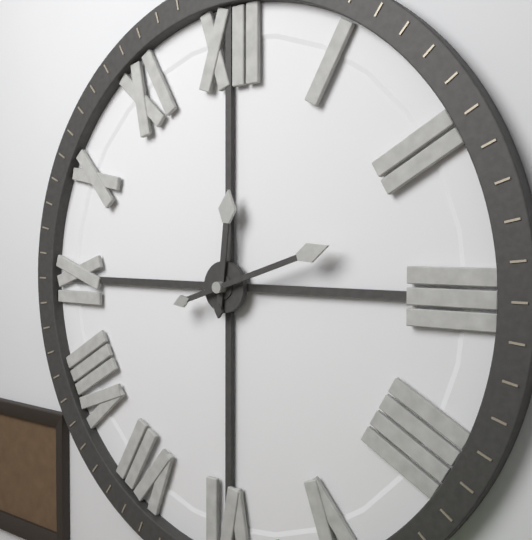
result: h=12 m=12
